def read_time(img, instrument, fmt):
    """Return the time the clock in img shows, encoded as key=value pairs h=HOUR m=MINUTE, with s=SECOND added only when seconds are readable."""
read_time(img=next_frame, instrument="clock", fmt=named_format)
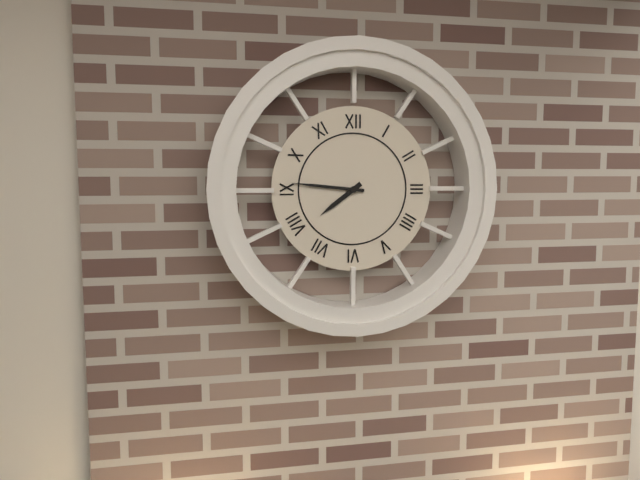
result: h=7 m=46
